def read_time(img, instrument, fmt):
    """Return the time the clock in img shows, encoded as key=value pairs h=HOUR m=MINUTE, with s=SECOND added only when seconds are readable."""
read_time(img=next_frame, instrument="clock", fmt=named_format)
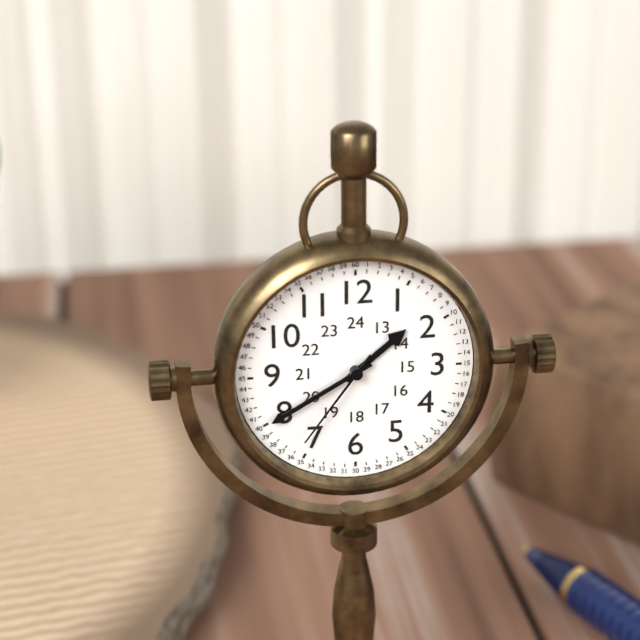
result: h=1 m=40 s=36
